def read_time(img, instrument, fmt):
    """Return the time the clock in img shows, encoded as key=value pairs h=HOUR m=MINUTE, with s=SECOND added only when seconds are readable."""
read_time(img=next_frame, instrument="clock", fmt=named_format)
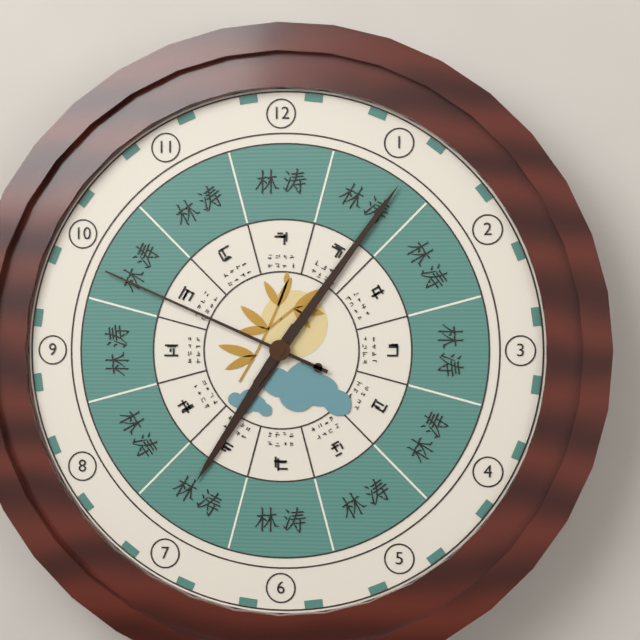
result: h=7 m=6 s=49
